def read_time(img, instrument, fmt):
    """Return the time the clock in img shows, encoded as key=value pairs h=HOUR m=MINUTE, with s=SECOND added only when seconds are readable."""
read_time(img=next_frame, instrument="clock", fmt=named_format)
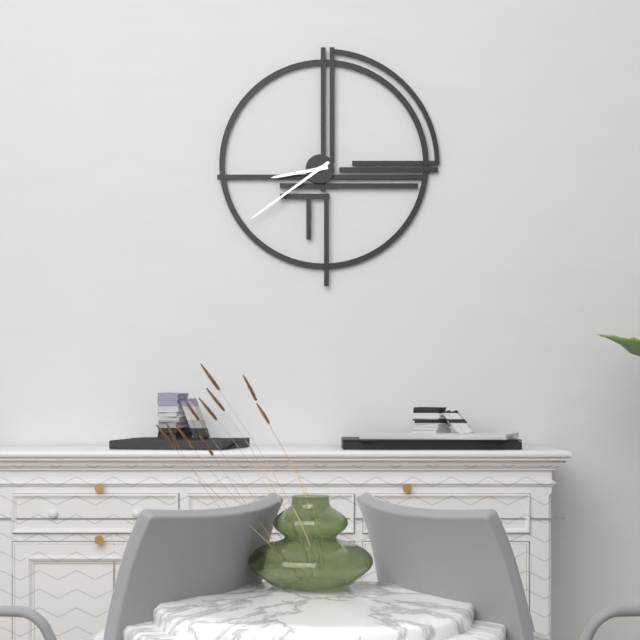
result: h=8 m=39
